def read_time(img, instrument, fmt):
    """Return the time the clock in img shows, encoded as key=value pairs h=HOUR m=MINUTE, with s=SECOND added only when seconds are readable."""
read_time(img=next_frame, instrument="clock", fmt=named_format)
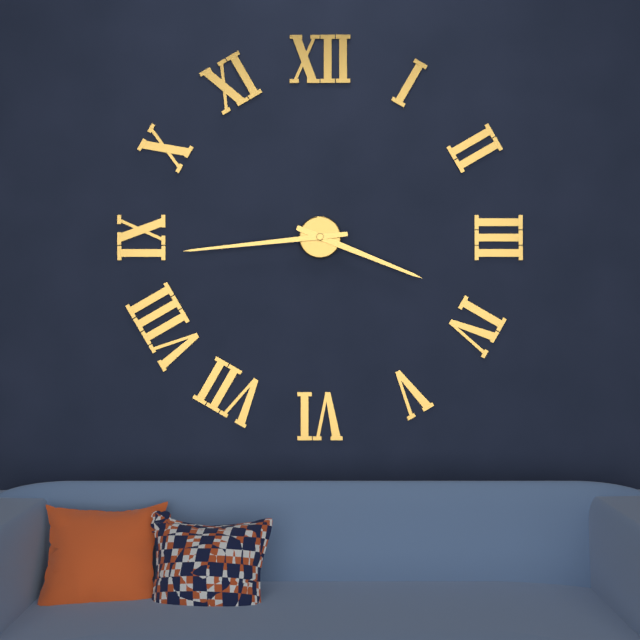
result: h=3 m=44
